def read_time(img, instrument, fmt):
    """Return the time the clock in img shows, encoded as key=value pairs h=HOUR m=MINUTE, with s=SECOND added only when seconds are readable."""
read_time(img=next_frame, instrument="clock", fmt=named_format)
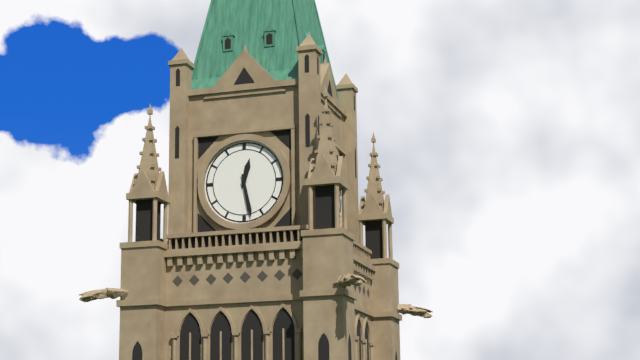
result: h=12 m=28
